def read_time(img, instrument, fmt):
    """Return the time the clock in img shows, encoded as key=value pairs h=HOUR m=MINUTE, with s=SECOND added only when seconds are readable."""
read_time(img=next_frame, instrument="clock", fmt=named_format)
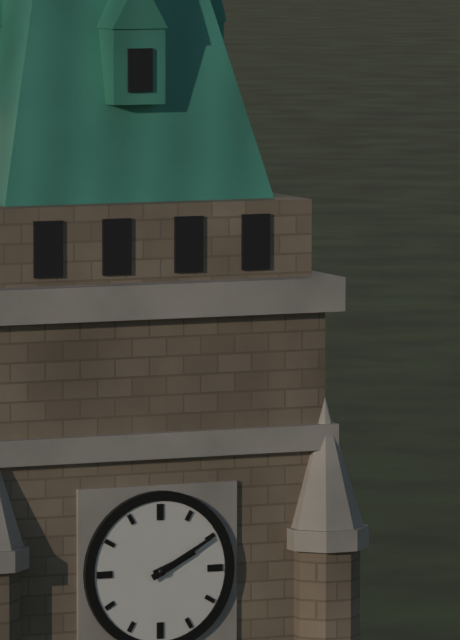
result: h=2 m=10
